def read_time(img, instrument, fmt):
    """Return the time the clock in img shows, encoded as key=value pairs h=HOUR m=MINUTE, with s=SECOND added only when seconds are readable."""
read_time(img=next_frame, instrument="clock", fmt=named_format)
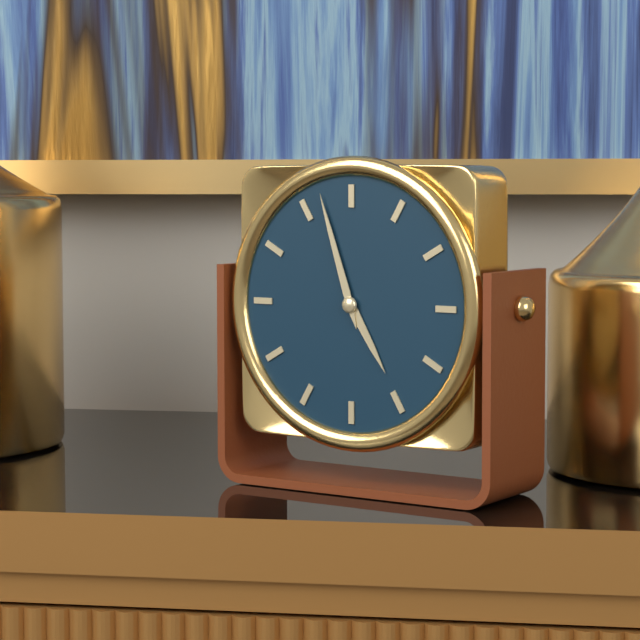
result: h=4 m=57
